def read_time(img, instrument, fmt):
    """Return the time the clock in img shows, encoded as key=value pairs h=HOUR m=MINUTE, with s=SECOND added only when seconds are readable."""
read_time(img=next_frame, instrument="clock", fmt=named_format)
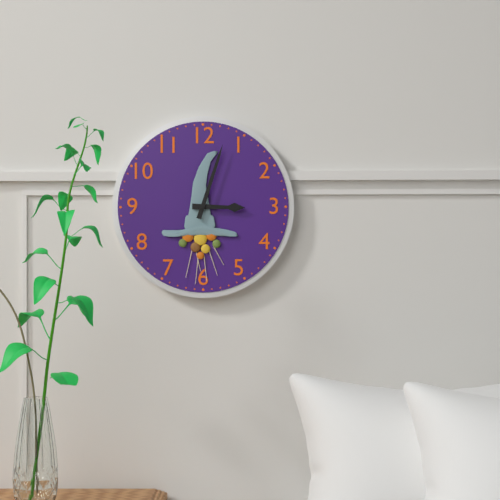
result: h=3 m=3
